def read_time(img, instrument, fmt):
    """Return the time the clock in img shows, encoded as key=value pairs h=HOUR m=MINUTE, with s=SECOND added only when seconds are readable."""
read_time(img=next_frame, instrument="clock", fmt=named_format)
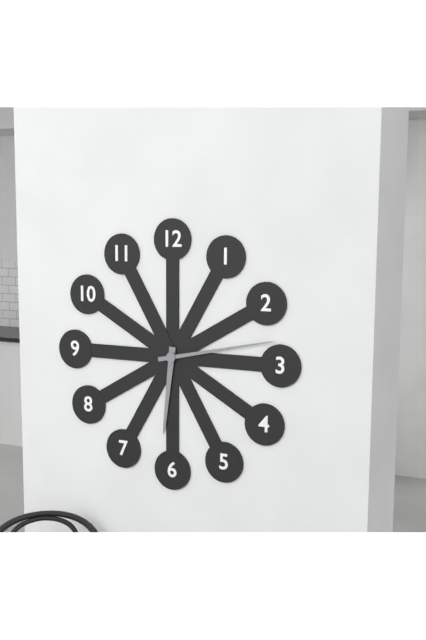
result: h=6 m=13
